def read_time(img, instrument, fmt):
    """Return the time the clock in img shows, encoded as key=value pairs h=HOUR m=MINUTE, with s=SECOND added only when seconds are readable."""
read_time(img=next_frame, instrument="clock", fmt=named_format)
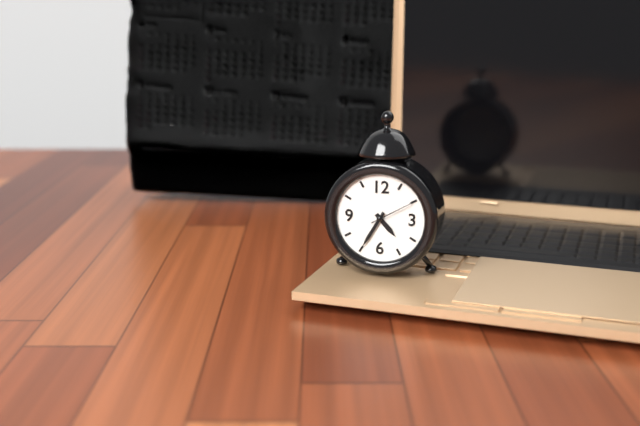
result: h=4 m=35
